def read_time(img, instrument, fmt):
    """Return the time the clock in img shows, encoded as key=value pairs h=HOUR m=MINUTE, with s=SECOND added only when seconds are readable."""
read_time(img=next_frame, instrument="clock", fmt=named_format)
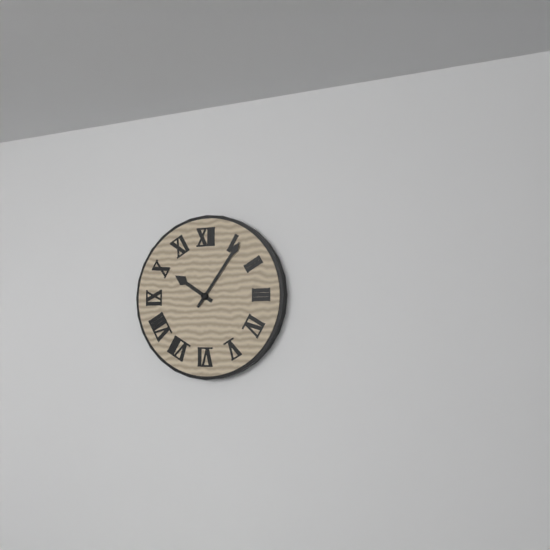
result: h=10 m=6
